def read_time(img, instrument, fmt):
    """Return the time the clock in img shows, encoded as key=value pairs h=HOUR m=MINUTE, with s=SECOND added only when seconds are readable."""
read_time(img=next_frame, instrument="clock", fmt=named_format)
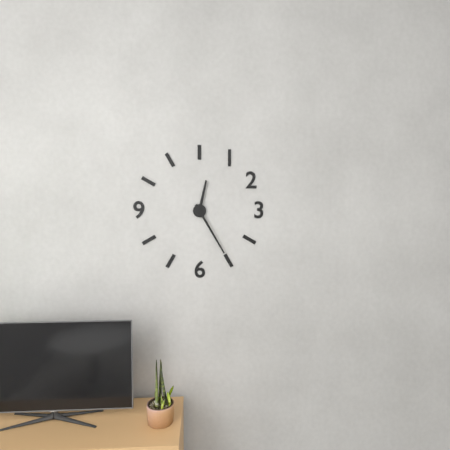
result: h=12 m=25
